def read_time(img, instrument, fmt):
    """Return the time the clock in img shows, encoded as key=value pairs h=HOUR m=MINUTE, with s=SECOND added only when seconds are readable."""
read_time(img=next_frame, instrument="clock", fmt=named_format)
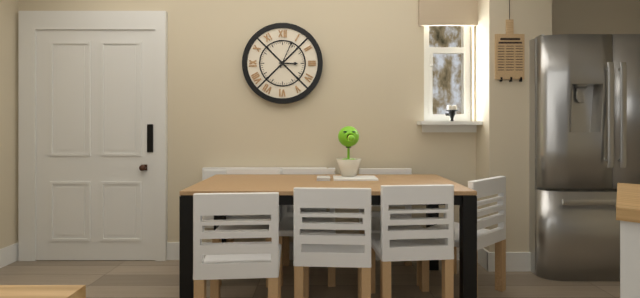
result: h=3 m=4
